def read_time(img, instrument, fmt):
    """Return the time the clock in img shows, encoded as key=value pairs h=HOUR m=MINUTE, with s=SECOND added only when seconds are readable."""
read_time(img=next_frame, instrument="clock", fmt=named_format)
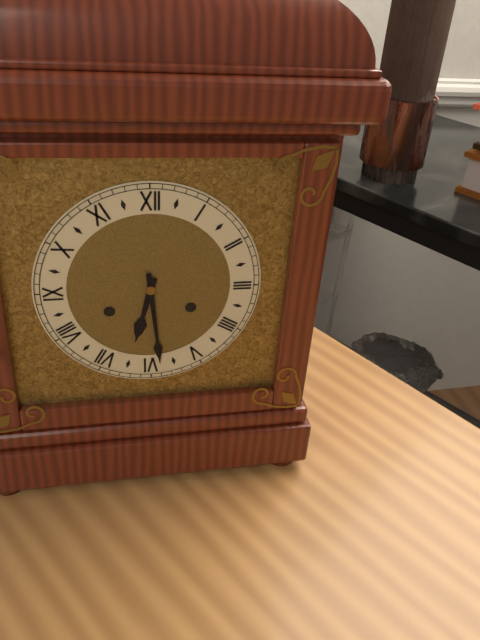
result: h=6 m=29
